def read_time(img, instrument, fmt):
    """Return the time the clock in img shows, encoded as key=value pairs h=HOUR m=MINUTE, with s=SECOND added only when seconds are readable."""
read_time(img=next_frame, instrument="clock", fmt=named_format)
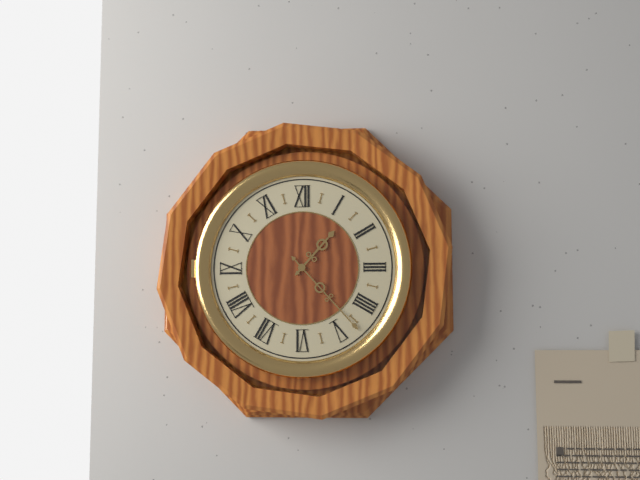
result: h=1 m=23
